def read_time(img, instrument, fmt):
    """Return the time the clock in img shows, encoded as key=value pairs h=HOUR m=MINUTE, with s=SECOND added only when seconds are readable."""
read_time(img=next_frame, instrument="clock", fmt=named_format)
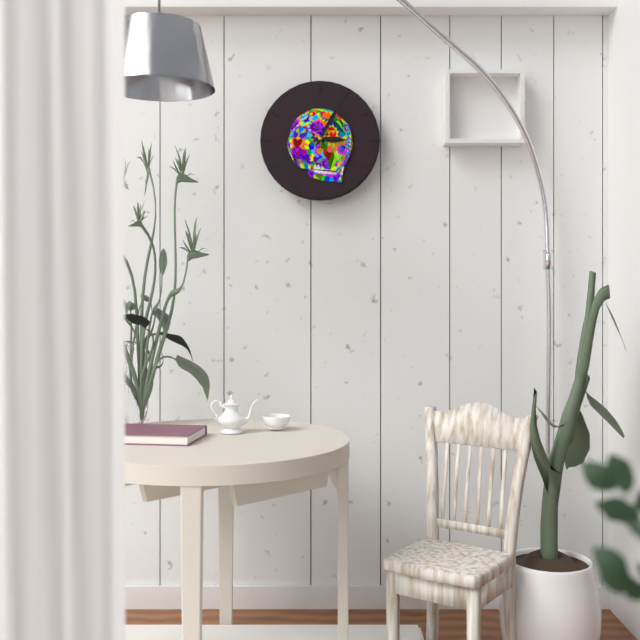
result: h=3 m=5
